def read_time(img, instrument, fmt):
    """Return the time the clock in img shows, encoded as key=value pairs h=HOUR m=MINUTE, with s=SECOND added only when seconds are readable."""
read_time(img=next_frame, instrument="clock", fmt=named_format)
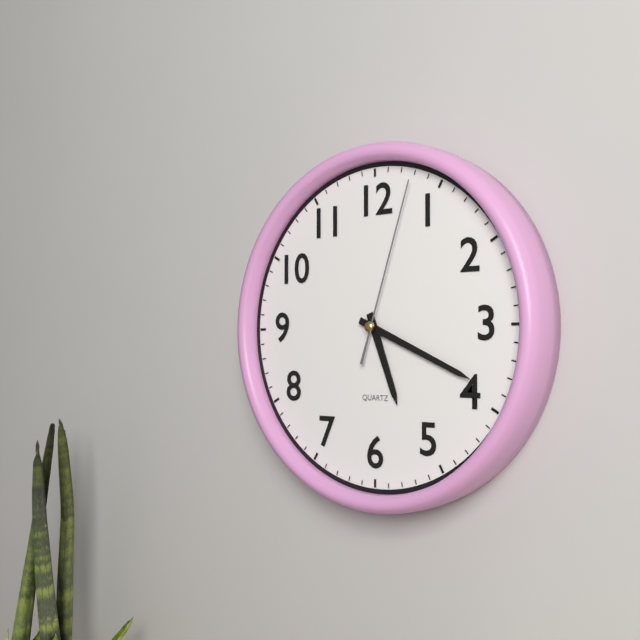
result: h=5 m=19 s=3
